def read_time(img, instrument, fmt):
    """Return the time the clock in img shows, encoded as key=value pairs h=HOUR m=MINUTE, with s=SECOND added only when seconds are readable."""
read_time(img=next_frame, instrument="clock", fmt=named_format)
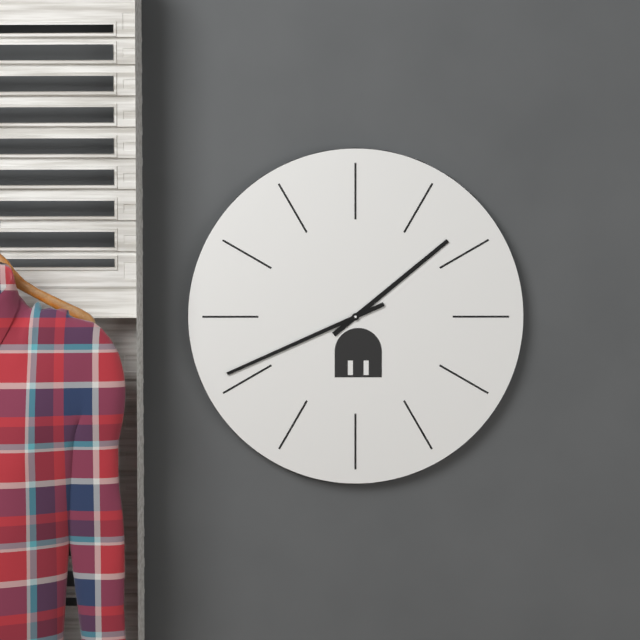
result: h=1 m=41
